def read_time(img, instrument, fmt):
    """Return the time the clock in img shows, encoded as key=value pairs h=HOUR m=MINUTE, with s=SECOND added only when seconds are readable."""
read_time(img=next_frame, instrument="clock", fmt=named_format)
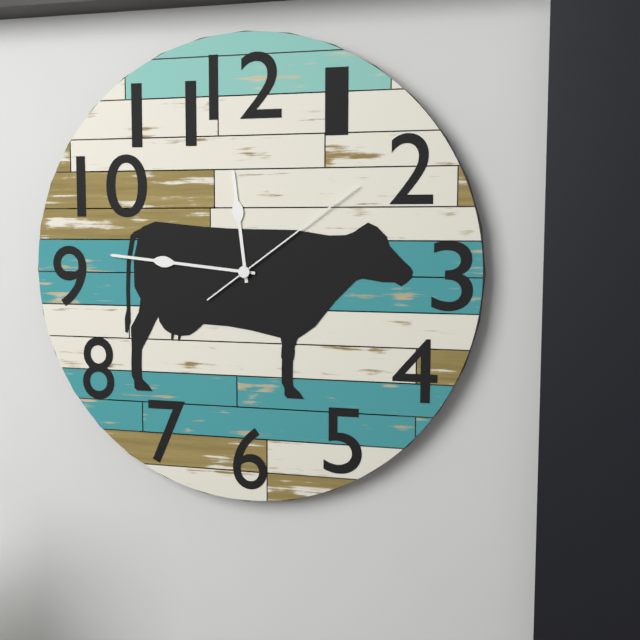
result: h=11 m=46 s=9
